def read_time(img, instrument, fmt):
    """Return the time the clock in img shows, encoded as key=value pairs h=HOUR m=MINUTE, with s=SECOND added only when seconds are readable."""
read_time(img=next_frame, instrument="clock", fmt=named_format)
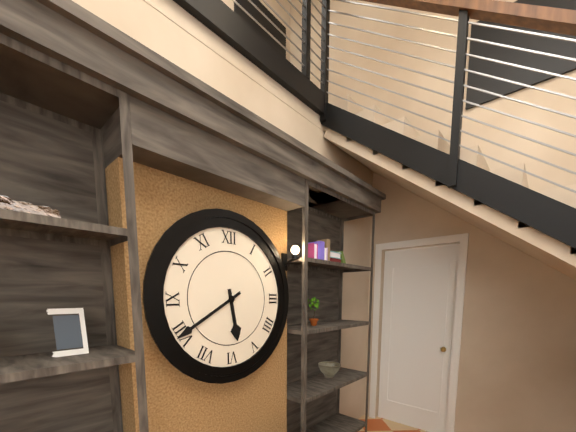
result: h=5 m=40
